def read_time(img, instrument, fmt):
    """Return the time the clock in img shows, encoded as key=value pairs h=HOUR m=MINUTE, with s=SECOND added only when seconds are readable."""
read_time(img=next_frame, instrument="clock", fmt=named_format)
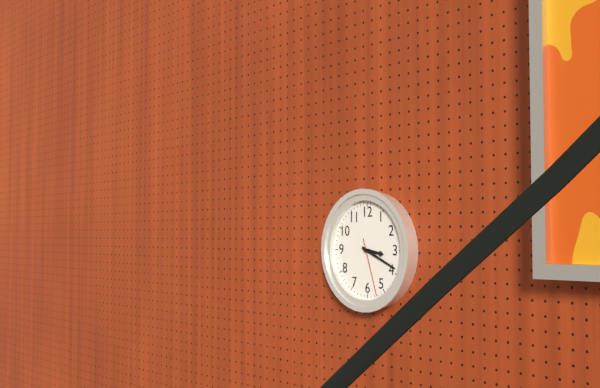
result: h=3 m=19 s=27
